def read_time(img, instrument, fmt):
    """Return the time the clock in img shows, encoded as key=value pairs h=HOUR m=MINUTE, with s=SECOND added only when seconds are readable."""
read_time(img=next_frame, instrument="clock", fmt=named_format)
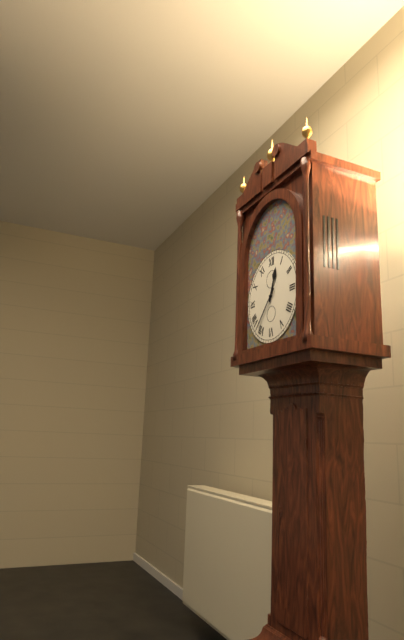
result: h=12 m=37
